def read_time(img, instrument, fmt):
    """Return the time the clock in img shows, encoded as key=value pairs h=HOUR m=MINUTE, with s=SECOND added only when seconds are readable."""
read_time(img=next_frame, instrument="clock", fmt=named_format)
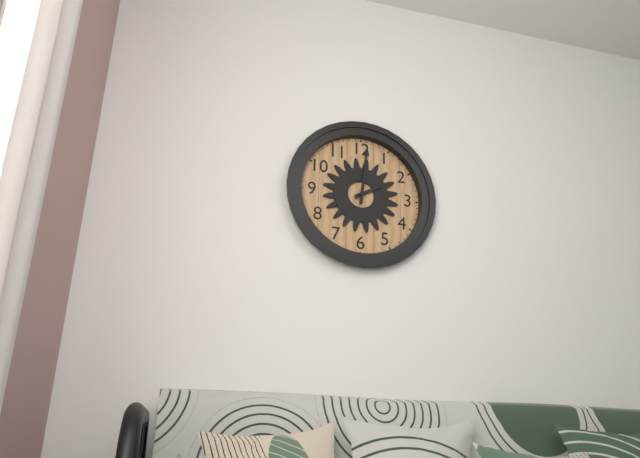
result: h=2 m=1
